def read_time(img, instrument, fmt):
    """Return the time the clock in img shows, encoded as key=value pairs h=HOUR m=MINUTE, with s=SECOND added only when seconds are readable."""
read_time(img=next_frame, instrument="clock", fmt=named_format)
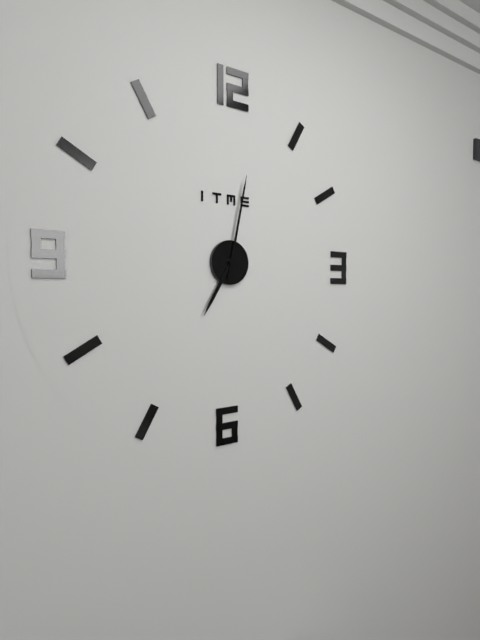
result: h=7 m=2
